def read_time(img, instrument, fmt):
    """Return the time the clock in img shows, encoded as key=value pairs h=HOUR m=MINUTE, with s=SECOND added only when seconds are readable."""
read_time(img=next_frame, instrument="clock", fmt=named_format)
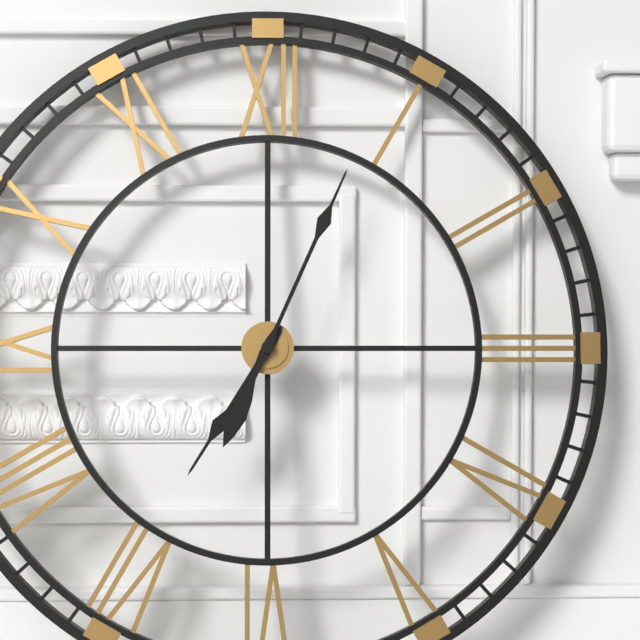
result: h=7 m=4
